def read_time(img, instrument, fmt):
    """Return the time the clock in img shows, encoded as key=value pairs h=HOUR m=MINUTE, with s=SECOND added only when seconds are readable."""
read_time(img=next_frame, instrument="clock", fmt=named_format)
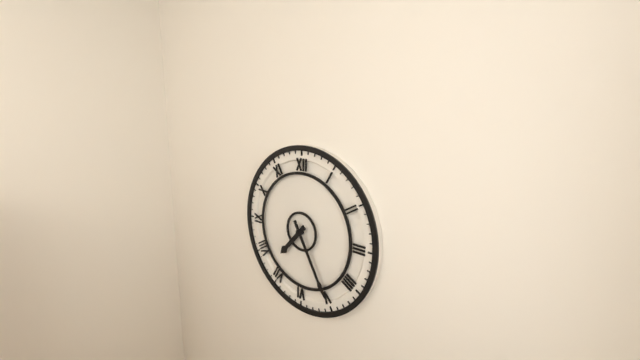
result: h=7 m=25
